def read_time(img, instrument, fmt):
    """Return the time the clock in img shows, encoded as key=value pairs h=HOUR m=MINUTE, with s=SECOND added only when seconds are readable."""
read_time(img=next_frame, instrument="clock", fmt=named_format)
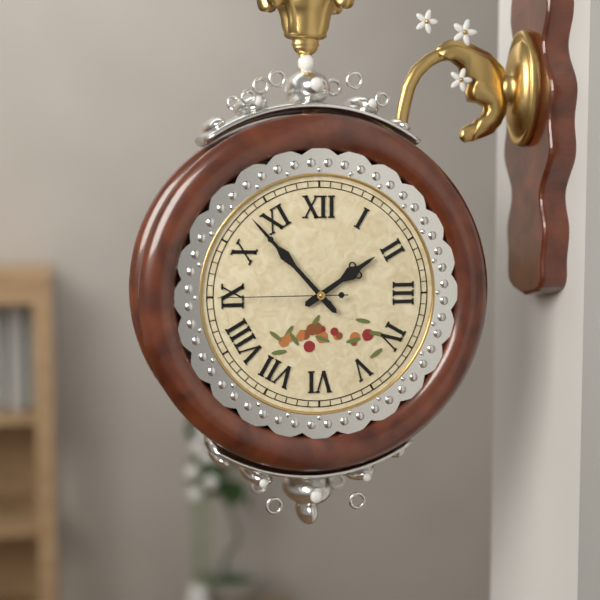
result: h=1 m=53 s=45
